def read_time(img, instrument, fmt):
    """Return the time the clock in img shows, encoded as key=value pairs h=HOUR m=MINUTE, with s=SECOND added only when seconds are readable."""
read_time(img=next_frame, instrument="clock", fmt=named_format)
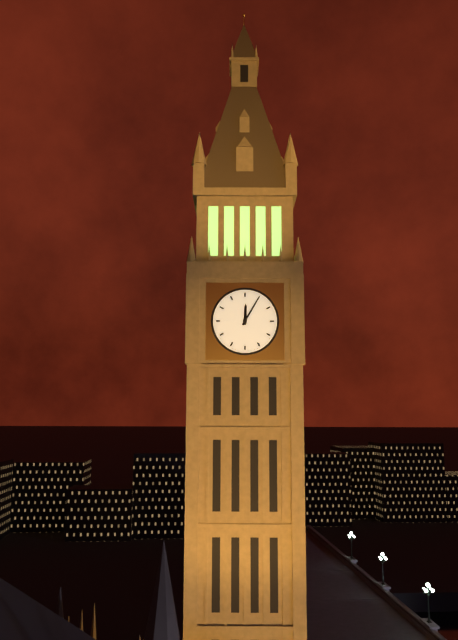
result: h=12 m=5
